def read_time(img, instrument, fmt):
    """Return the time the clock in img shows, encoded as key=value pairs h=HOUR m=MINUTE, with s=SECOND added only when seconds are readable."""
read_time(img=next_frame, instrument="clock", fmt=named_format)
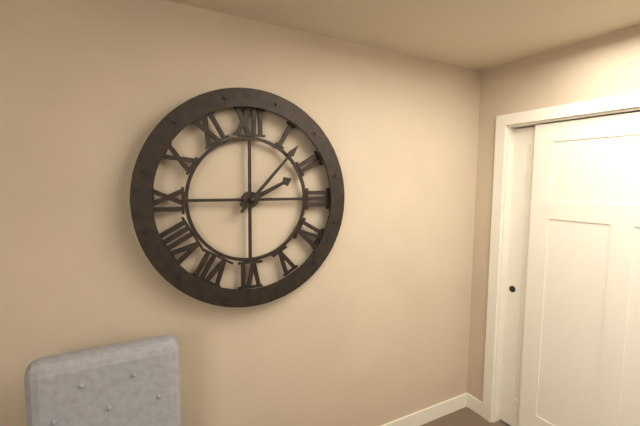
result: h=2 m=7
